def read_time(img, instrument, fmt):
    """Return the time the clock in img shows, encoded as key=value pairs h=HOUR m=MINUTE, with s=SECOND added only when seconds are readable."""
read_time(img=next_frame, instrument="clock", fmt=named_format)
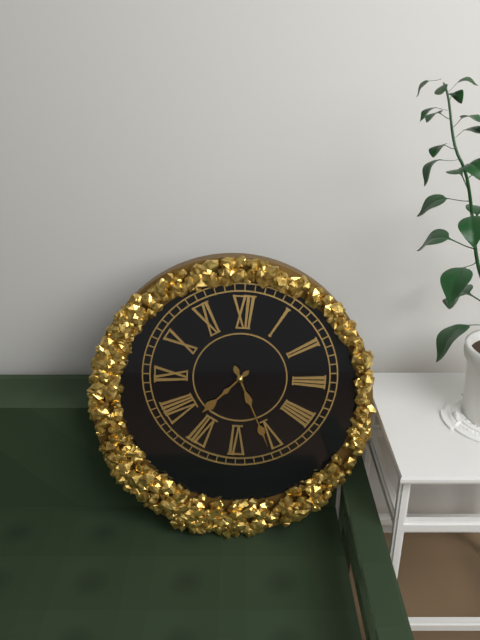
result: h=7 m=26
